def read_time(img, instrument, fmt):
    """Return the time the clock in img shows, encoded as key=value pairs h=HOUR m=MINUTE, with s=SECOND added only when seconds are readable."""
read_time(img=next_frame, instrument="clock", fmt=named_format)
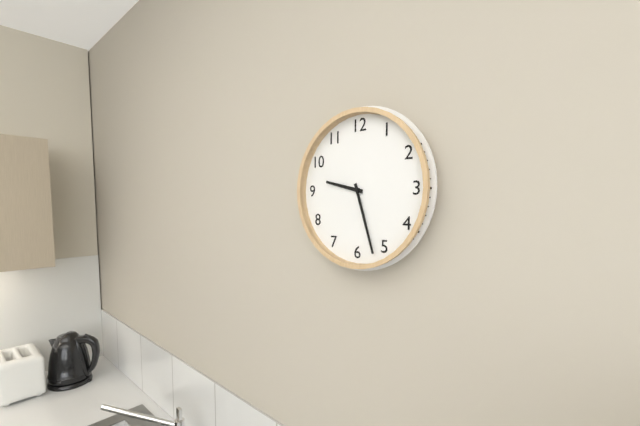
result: h=9 m=27
